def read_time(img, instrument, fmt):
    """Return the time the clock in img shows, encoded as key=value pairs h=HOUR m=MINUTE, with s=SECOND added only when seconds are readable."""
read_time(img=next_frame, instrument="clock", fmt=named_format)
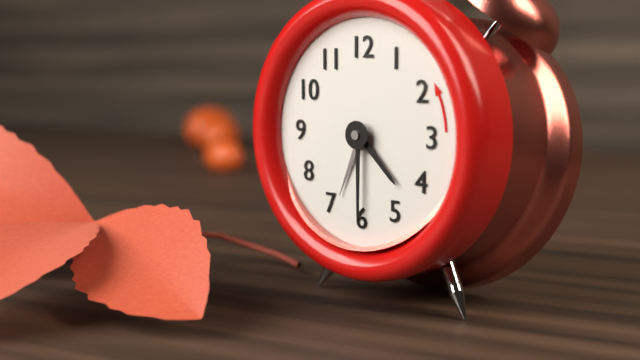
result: h=4 m=30 s=34
